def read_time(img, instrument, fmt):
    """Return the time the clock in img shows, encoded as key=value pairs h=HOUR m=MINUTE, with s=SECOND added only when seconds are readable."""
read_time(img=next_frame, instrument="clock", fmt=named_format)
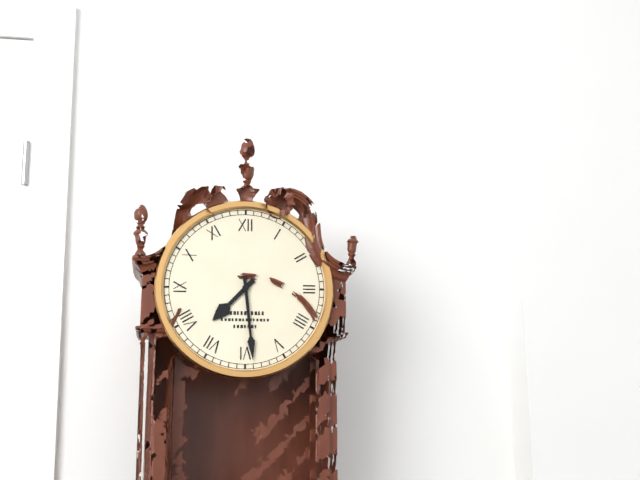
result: h=7 m=29
